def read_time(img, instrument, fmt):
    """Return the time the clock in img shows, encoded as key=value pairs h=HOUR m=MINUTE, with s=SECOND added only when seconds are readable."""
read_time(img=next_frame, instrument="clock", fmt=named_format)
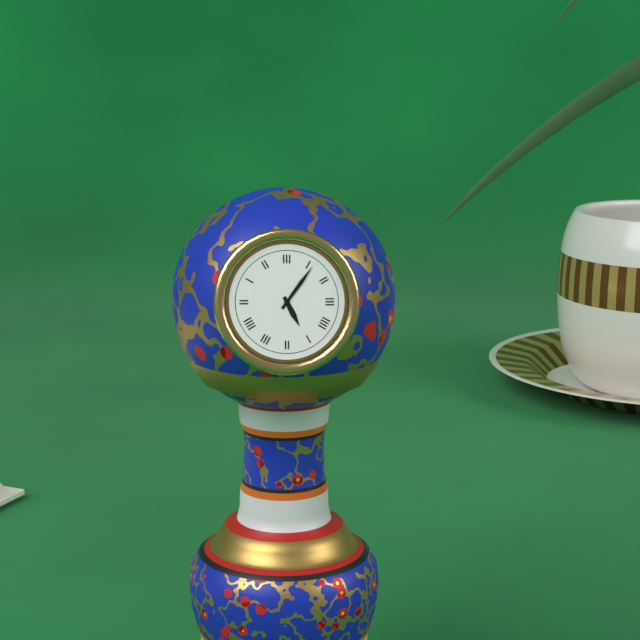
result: h=5 m=6
